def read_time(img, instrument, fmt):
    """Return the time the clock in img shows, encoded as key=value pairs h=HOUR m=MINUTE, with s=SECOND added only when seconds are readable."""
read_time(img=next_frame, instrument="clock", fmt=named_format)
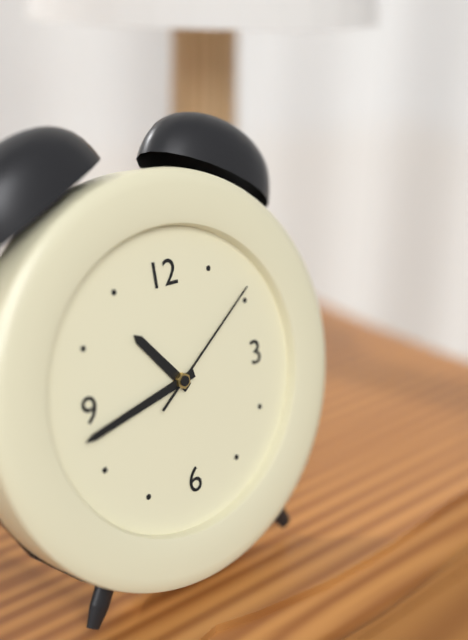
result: h=10 m=43 s=9
